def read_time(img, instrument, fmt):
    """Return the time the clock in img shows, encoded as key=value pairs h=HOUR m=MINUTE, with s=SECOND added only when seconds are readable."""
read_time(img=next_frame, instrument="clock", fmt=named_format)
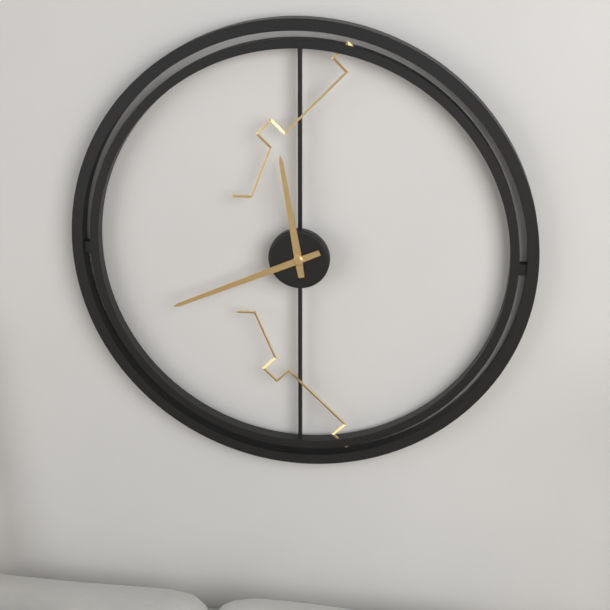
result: h=11 m=41
